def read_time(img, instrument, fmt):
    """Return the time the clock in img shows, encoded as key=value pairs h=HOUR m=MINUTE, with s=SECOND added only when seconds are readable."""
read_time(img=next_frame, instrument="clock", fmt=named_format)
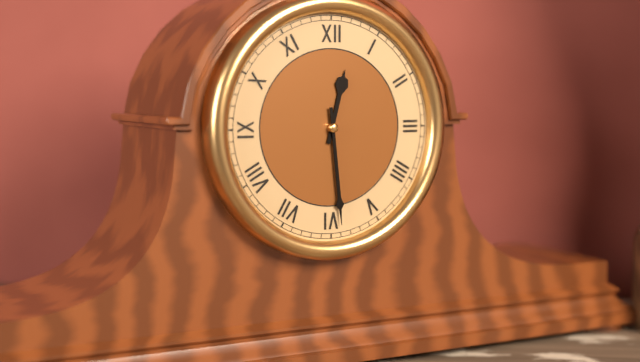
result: h=12 m=29
